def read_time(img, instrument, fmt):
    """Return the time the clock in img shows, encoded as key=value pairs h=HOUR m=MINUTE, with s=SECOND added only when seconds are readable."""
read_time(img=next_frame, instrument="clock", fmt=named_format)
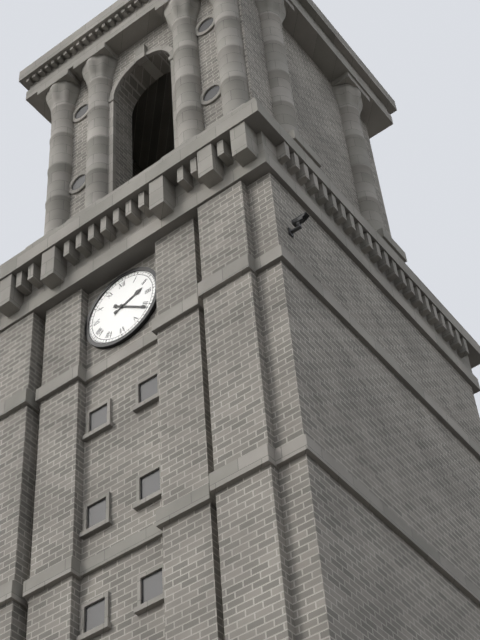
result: h=2 m=21
